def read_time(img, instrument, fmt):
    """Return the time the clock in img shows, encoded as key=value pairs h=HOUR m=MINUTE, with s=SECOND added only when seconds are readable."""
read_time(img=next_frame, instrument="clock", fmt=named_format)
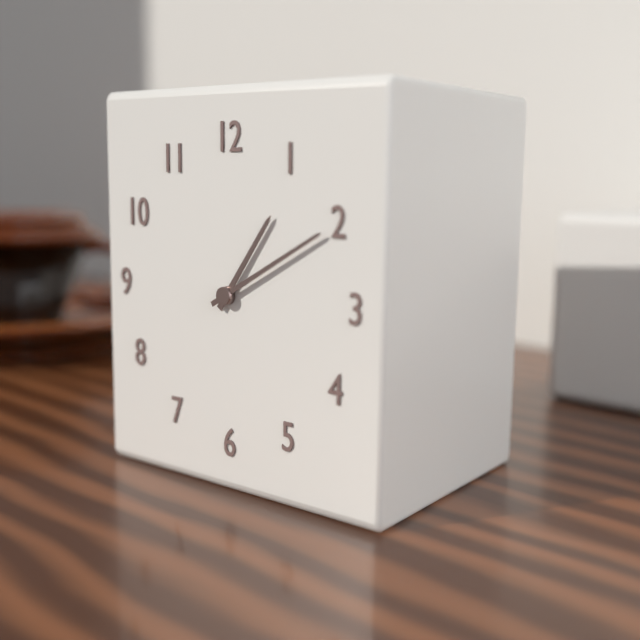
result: h=1 m=10
